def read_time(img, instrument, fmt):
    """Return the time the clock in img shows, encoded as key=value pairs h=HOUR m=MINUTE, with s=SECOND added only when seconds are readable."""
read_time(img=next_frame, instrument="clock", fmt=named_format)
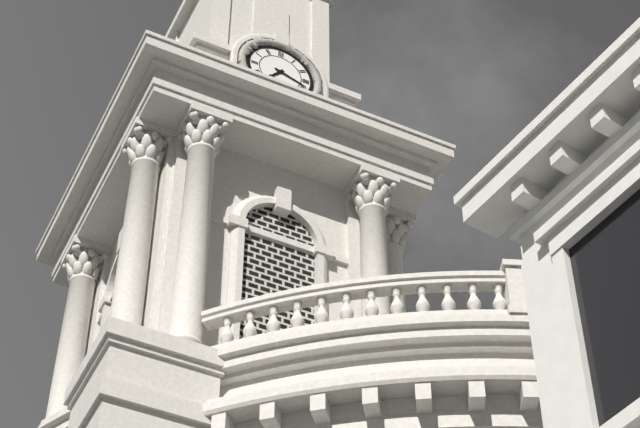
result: h=7 m=18
